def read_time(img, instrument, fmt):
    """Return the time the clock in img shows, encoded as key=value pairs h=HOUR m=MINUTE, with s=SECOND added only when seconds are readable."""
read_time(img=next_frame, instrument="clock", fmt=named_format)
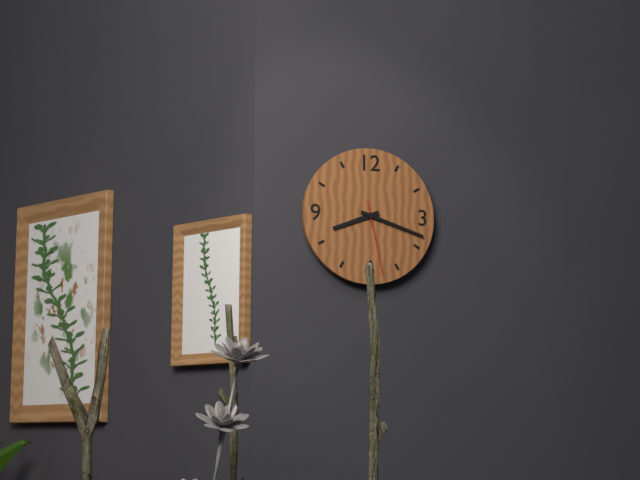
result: h=8 m=18 s=28
